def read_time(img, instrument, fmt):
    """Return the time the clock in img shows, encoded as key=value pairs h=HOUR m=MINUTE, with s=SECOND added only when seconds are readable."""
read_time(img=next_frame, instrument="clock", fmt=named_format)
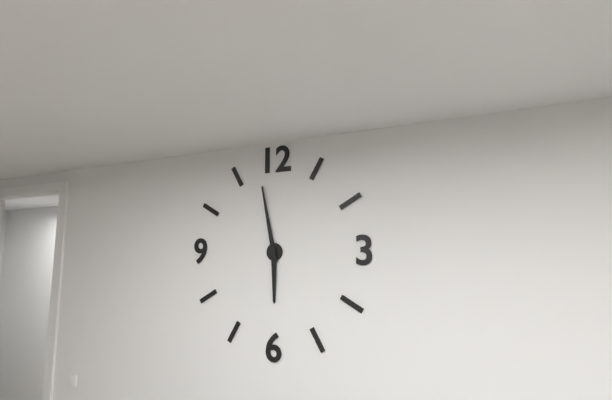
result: h=5 m=58
